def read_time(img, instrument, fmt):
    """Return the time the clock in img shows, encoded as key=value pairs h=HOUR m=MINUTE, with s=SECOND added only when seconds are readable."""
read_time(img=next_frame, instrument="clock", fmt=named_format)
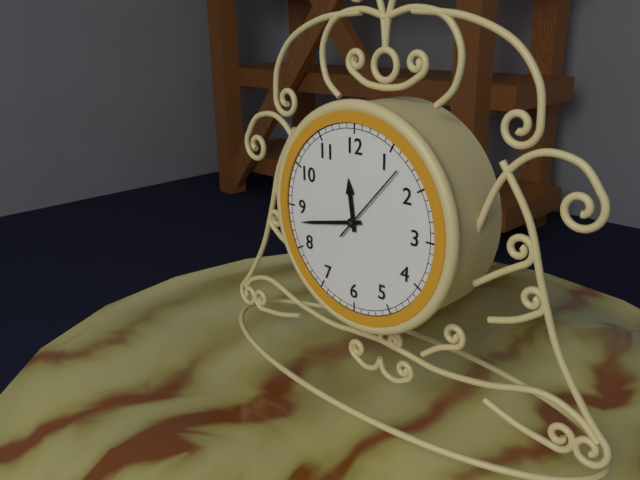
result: h=11 m=43 s=7
